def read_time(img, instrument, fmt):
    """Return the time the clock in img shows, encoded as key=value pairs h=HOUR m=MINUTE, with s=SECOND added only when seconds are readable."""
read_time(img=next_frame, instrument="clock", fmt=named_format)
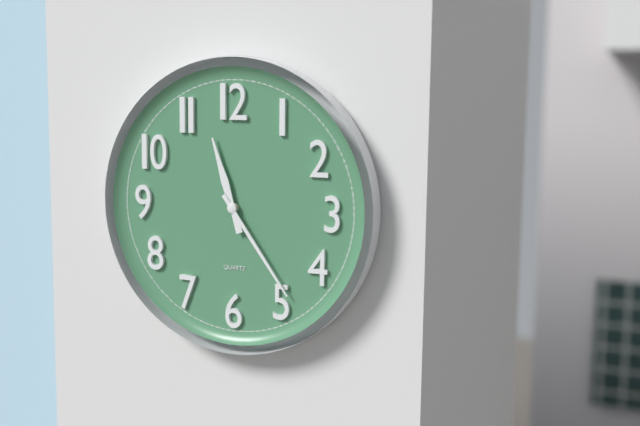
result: h=11 m=24
